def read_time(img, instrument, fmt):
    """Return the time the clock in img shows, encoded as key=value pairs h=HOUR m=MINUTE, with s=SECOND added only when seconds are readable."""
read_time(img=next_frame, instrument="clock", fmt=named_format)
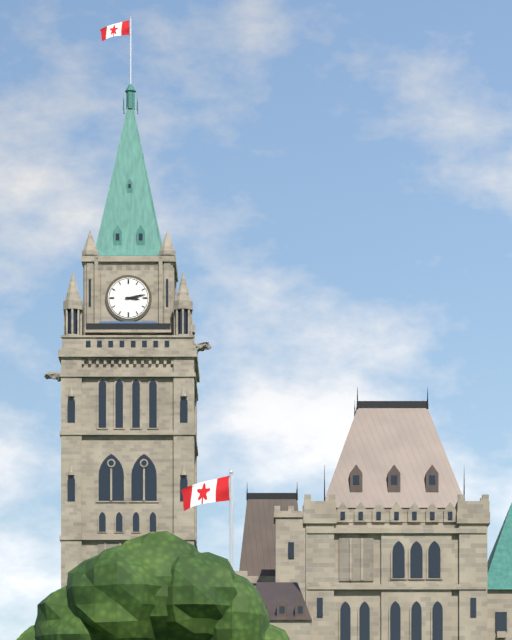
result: h=3 m=13
